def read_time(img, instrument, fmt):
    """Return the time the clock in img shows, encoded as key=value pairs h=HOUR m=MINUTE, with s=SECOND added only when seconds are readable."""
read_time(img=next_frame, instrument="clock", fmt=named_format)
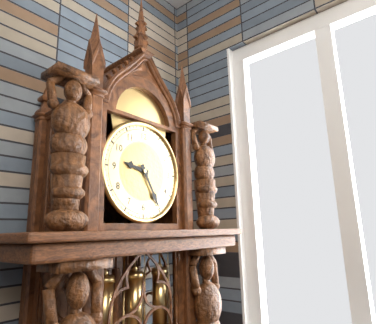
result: h=9 m=25
